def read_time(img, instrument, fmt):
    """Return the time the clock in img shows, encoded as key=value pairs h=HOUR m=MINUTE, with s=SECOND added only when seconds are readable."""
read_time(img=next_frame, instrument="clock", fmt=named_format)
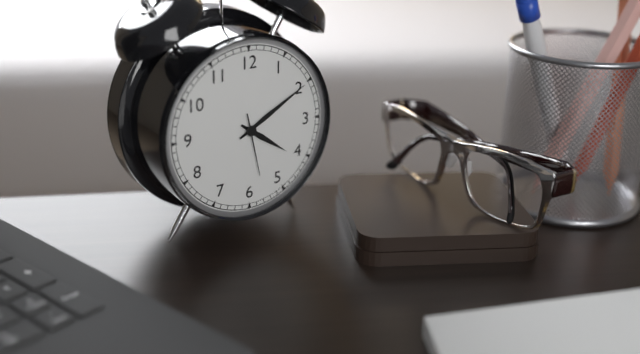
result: h=4 m=10 s=28
